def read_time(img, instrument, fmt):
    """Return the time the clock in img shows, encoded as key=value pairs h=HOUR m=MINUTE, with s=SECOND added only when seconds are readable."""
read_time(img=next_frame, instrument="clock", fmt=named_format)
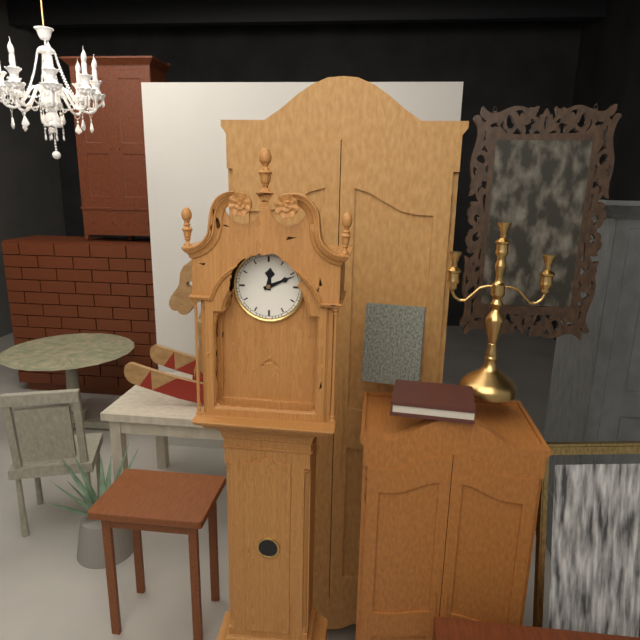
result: h=12 m=11
